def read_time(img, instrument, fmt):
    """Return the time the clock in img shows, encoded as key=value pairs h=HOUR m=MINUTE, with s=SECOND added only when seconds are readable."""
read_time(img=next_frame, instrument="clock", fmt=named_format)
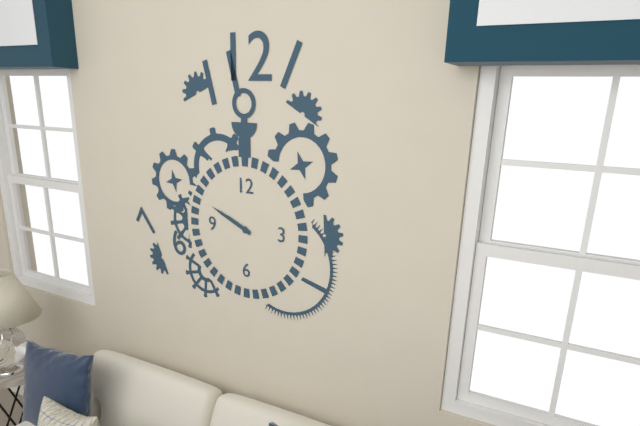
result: h=9 m=49
